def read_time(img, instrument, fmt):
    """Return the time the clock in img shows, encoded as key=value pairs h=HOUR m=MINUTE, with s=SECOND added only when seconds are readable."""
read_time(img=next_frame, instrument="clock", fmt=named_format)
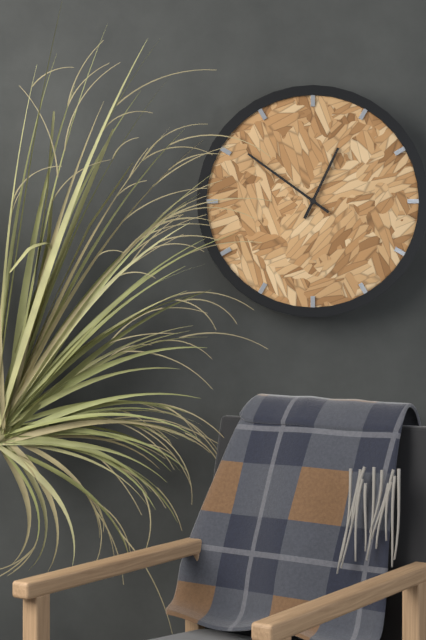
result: h=12 m=51
